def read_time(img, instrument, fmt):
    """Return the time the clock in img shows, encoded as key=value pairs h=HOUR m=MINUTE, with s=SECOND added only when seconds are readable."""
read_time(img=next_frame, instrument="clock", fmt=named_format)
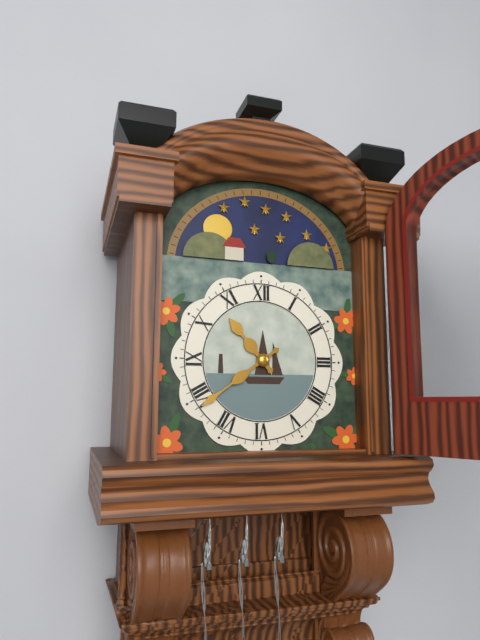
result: h=10 m=39
